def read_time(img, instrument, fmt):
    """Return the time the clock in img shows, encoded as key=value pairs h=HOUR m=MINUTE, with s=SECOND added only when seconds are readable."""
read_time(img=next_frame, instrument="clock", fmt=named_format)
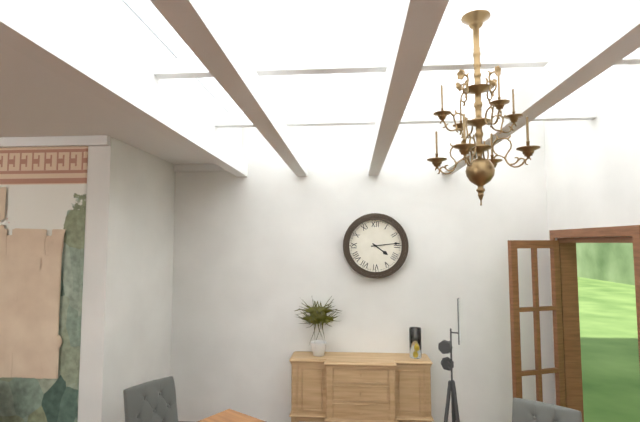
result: h=4 m=14
